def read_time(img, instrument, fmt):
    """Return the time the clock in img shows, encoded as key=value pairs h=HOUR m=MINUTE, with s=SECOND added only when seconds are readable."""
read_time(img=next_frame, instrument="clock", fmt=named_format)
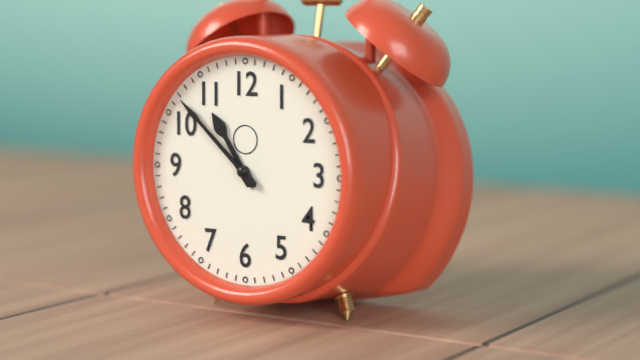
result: h=10 m=52
